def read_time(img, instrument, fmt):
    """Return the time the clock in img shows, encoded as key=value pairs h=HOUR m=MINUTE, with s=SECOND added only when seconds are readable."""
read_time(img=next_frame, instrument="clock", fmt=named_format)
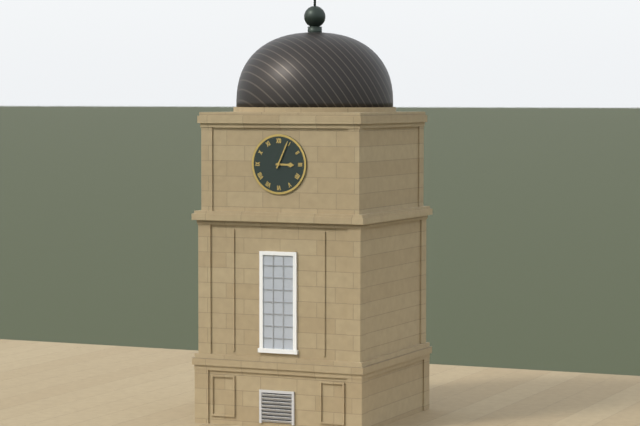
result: h=3 m=4
